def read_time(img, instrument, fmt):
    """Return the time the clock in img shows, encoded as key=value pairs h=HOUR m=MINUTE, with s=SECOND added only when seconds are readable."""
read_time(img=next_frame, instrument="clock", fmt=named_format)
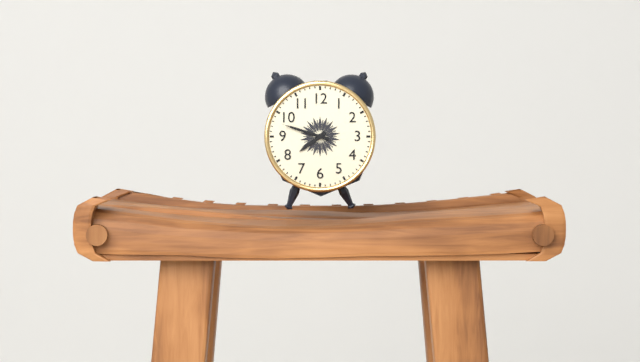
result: h=7 m=48 s=48
